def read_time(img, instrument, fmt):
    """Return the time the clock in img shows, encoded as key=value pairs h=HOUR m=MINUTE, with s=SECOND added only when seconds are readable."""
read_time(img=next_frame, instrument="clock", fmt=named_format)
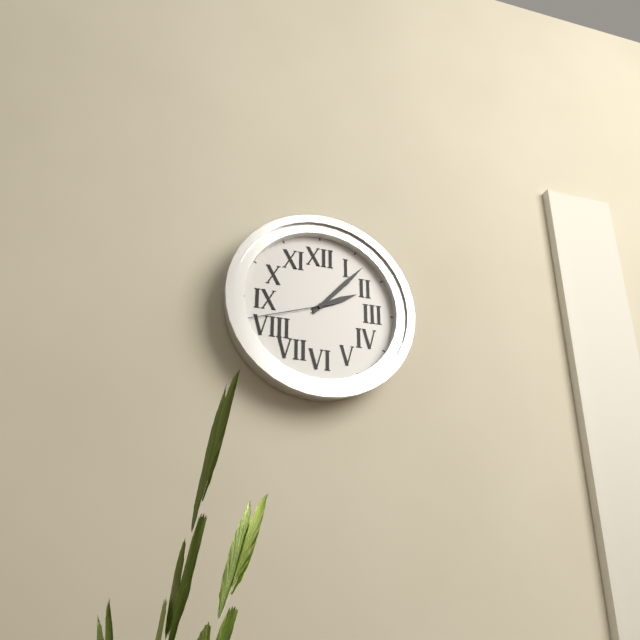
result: h=2 m=7 s=42
